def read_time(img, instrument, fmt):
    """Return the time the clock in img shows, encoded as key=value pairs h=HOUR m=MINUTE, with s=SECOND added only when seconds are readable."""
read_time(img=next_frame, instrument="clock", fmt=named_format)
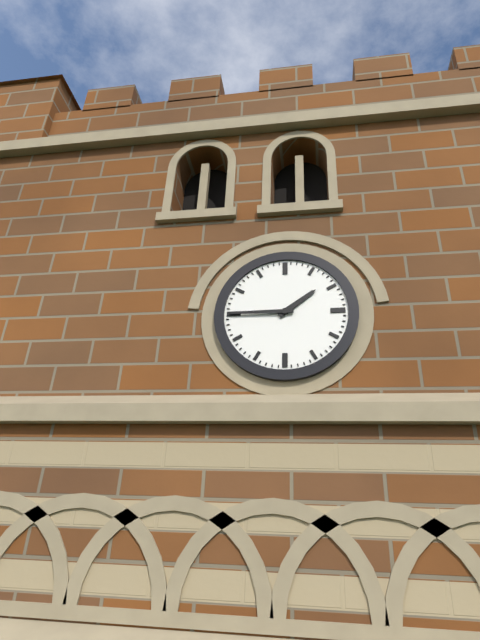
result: h=1 m=45
